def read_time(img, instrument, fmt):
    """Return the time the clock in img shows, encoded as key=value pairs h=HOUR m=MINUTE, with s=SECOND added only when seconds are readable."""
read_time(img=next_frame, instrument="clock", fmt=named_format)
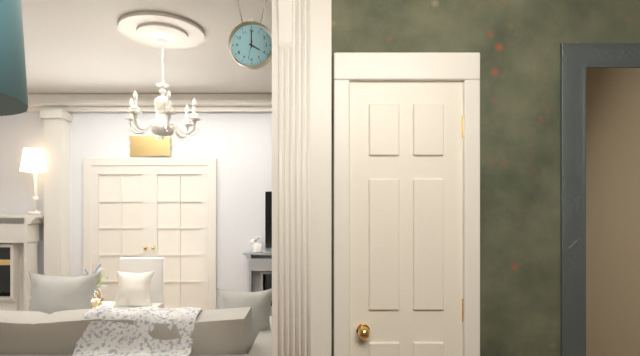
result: h=4 m=0
